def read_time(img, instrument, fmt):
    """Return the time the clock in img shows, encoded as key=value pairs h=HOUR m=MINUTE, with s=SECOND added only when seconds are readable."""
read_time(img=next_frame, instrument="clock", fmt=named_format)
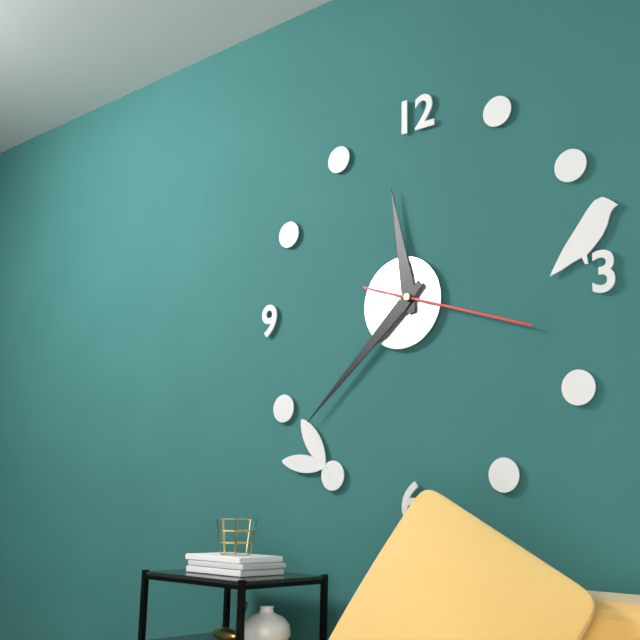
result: h=11 m=38 s=18
